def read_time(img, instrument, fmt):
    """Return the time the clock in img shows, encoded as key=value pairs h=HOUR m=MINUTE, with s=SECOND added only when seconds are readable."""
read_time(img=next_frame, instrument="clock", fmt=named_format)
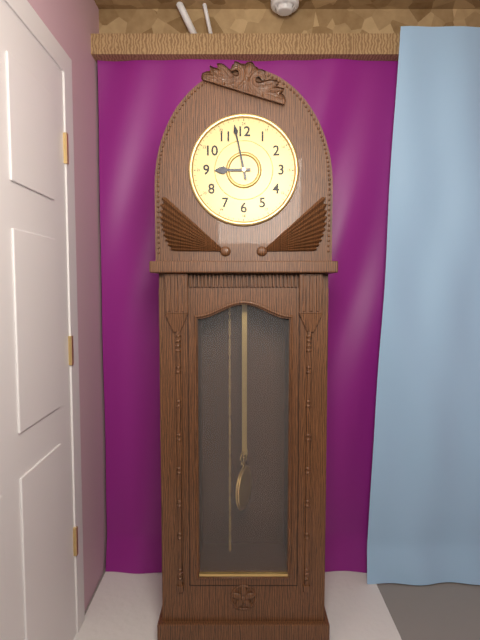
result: h=8 m=58
